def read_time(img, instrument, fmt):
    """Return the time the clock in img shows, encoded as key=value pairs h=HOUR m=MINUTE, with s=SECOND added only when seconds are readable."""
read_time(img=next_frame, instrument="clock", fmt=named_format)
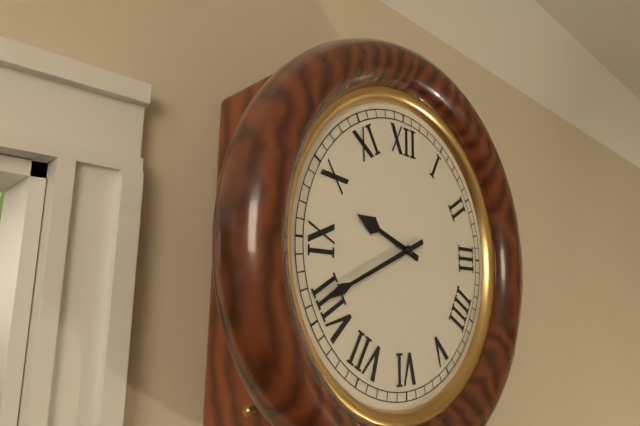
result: h=9 m=41
